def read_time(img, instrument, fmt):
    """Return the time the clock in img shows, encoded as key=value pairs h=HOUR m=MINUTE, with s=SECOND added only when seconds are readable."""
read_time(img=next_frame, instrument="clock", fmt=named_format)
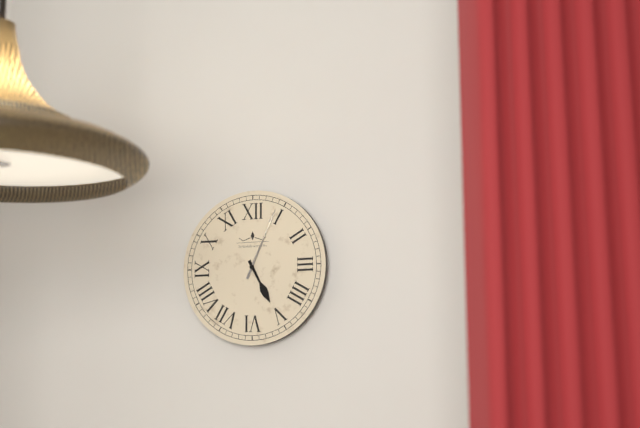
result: h=5 m=4
